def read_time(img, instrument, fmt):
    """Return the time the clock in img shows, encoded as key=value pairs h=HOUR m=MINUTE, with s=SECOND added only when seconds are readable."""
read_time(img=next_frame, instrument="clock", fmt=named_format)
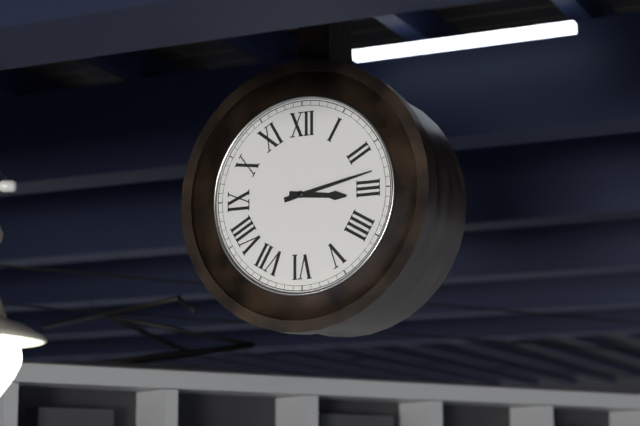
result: h=3 m=13
